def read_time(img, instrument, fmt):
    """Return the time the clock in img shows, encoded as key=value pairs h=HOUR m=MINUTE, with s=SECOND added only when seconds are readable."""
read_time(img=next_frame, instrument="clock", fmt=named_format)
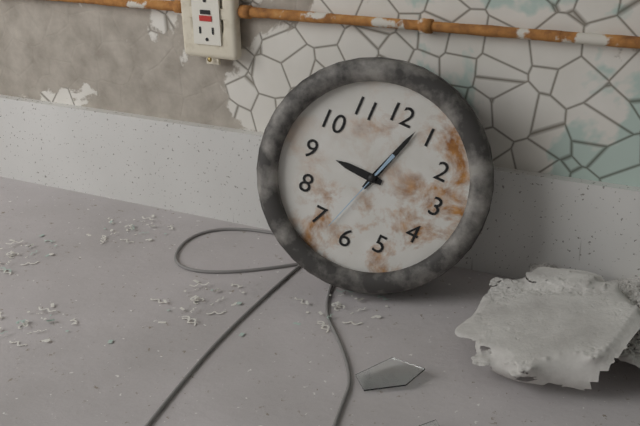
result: h=9 m=3 s=33
